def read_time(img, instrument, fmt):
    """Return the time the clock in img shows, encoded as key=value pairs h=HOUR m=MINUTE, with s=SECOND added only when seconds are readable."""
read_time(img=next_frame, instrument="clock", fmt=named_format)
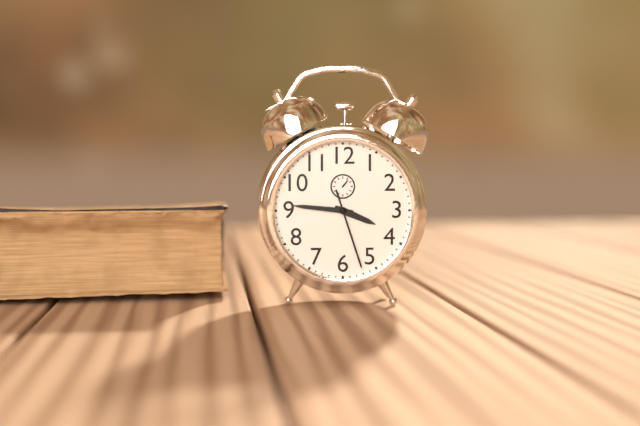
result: h=3 m=46 s=27
